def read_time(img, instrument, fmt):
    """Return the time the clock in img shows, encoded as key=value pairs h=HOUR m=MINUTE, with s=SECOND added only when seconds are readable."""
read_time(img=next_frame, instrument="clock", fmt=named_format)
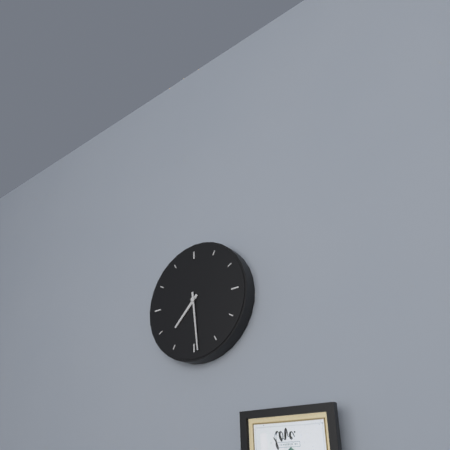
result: h=7 m=29
